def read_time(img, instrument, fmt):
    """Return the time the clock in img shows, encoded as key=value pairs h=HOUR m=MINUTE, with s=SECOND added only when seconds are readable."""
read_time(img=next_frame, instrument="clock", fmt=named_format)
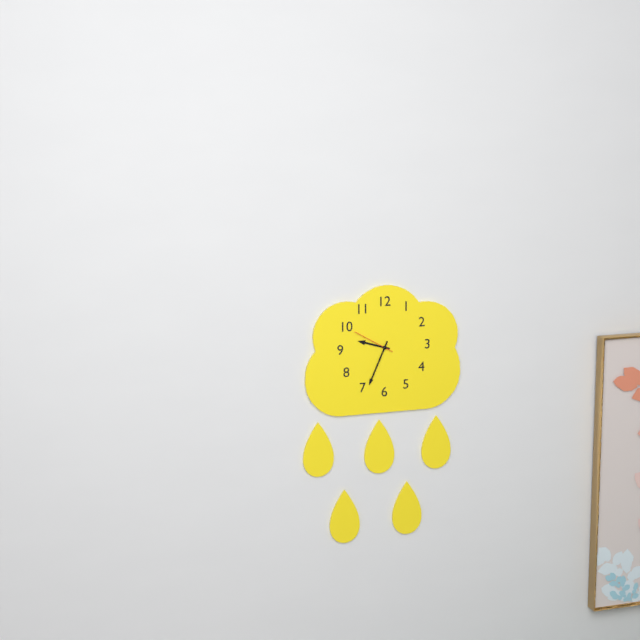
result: h=9 m=34
